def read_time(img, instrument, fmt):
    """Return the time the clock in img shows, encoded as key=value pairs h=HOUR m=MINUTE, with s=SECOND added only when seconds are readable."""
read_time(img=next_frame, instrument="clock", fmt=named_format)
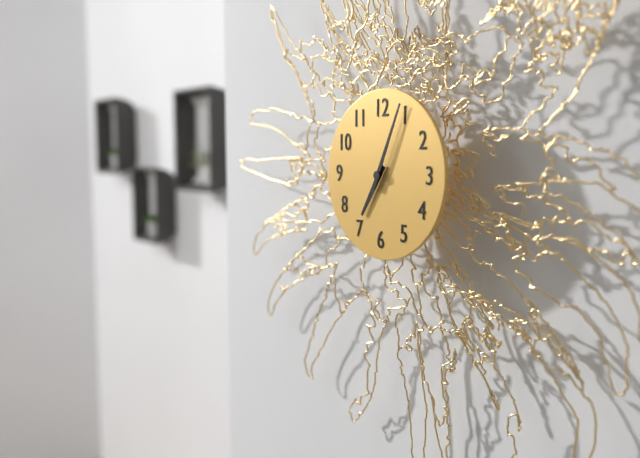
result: h=7 m=4
